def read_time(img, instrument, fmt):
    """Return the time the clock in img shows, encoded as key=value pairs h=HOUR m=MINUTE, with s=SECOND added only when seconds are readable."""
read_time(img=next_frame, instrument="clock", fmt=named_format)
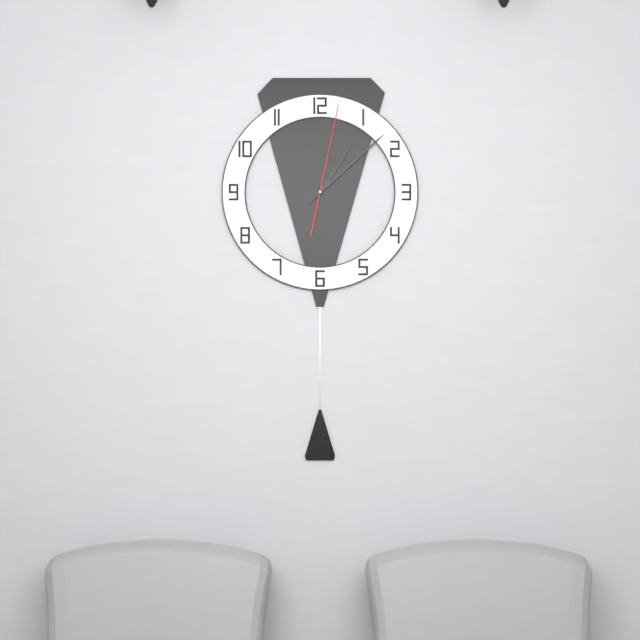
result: h=1 m=8 s=2
